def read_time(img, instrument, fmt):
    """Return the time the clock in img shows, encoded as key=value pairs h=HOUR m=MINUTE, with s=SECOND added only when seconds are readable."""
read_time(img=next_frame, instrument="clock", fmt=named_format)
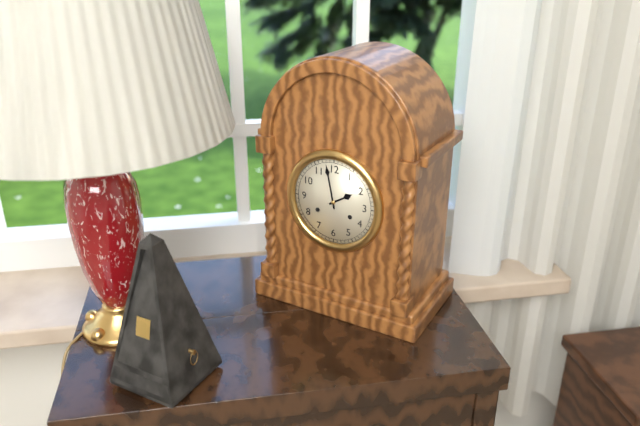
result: h=1 m=58
